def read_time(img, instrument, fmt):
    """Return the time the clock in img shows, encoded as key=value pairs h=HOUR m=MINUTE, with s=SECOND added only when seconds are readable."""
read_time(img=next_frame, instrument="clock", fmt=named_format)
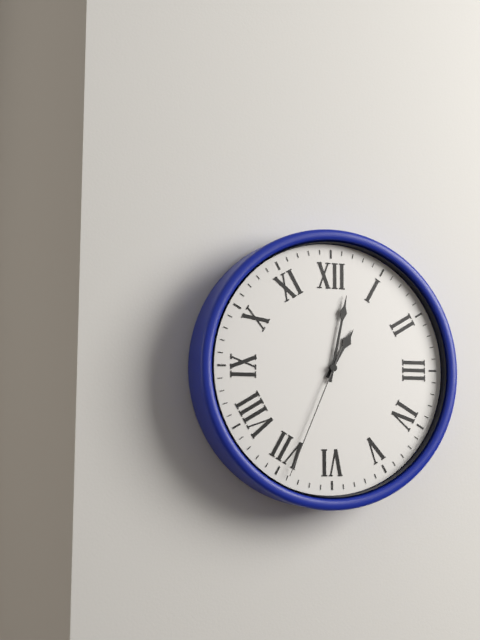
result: h=1 m=2 s=34
